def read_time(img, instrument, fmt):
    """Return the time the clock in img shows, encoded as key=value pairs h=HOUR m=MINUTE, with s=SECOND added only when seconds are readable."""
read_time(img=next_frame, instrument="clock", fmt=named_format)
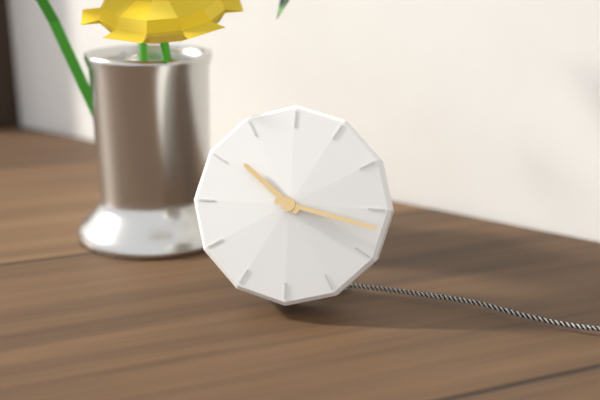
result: h=10 m=17
